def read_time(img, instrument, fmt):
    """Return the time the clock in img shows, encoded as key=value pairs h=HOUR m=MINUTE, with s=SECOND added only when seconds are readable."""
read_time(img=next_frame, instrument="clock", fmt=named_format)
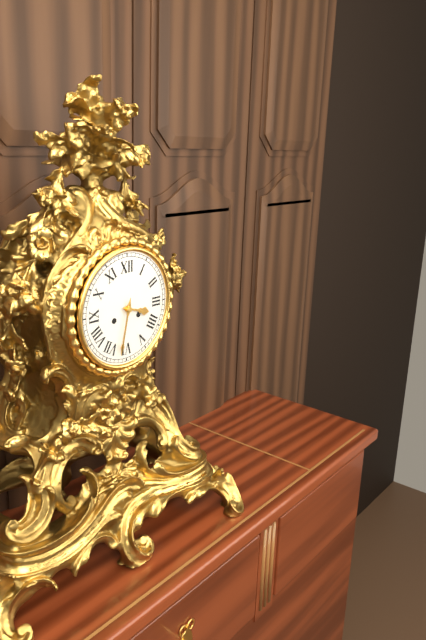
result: h=3 m=32
